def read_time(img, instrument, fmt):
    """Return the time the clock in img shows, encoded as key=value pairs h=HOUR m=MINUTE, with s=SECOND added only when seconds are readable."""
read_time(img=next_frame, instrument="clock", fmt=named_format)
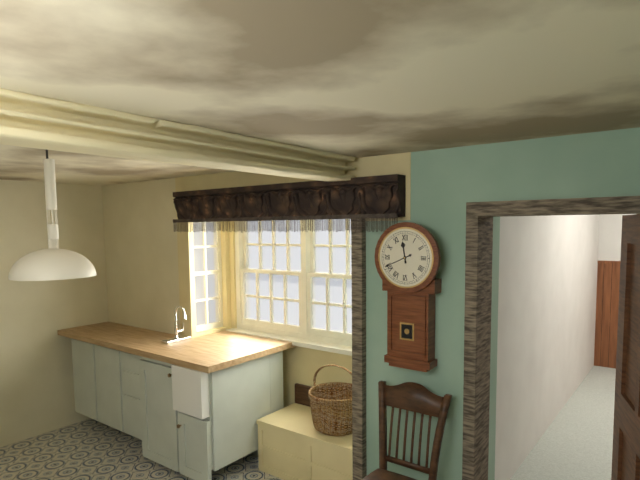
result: h=11 m=41
